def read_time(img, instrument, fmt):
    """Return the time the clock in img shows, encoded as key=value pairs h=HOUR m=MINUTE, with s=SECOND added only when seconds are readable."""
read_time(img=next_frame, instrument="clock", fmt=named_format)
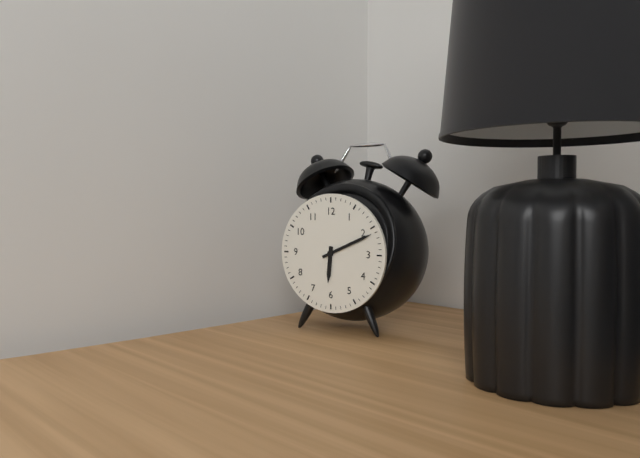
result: h=6 m=11
